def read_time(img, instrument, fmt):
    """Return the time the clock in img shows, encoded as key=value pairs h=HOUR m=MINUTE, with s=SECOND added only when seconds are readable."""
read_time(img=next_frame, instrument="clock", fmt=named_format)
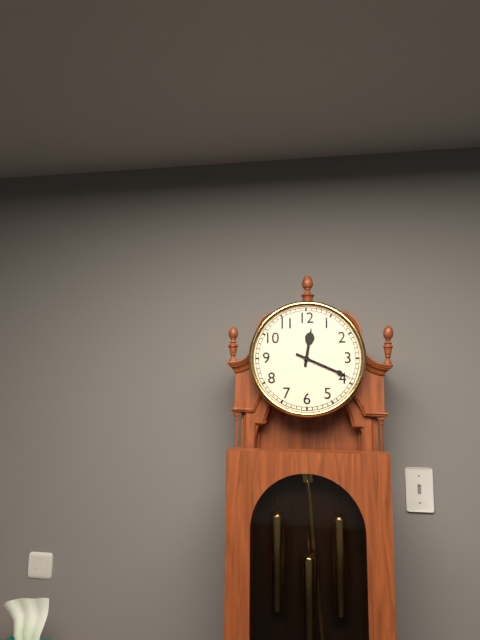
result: h=12 m=19
